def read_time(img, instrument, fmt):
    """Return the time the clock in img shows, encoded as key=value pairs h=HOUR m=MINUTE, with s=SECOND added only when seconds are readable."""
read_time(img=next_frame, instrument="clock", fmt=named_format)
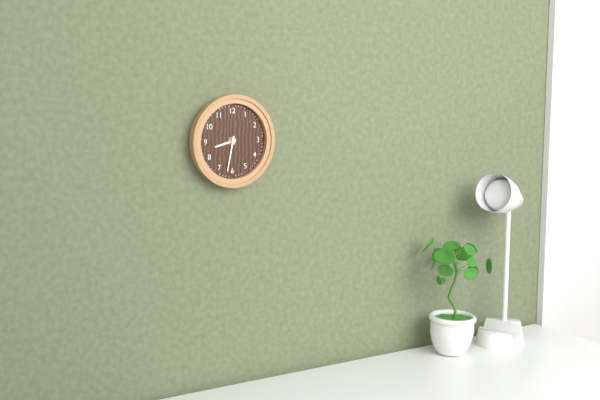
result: h=8 m=32
